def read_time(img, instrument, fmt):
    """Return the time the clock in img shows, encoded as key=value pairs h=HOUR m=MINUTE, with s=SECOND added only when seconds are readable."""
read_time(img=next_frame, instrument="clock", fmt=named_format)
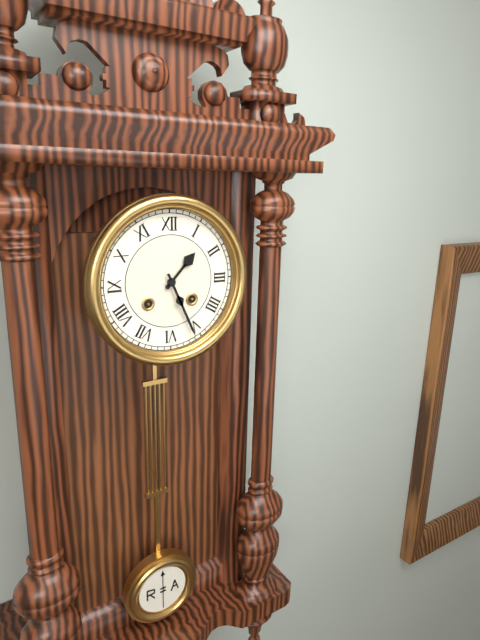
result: h=1 m=26
